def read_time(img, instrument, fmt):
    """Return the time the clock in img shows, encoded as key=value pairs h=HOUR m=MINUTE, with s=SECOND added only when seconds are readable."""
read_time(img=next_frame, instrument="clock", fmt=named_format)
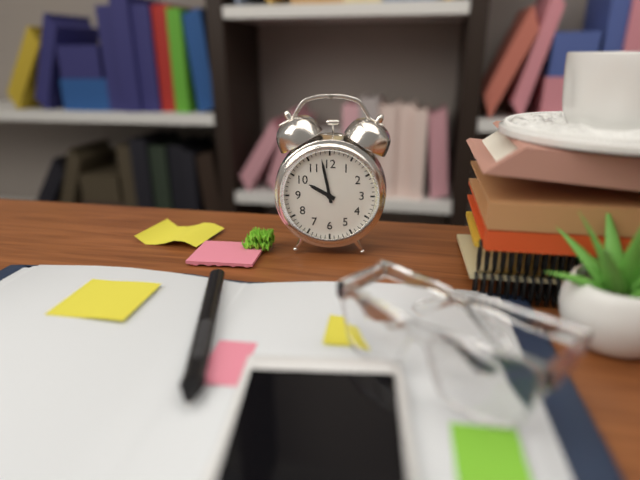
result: h=9 m=58
